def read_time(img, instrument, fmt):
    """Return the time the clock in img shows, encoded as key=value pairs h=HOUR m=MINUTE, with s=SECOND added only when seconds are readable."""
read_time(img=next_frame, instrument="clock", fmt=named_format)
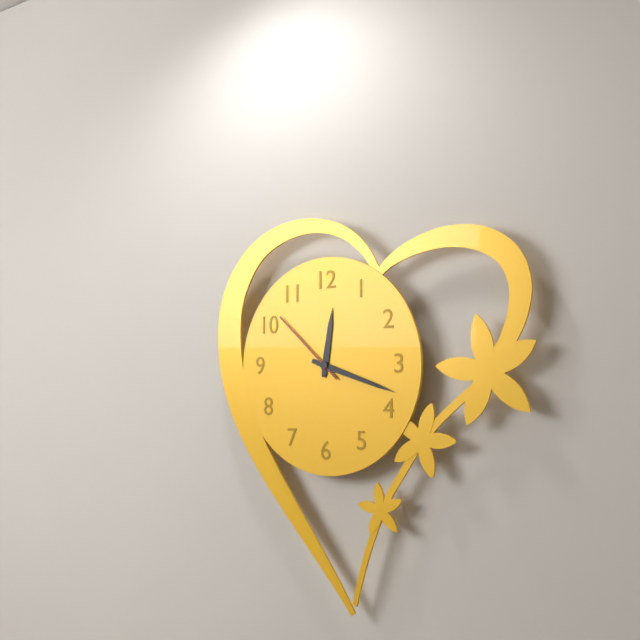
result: h=12 m=18 s=52
